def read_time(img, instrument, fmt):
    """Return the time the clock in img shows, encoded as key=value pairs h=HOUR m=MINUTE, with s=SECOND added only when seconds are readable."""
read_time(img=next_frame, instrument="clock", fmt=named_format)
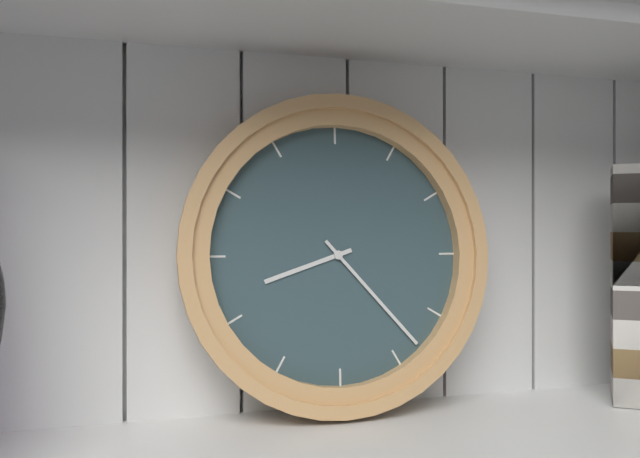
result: h=8 m=23
